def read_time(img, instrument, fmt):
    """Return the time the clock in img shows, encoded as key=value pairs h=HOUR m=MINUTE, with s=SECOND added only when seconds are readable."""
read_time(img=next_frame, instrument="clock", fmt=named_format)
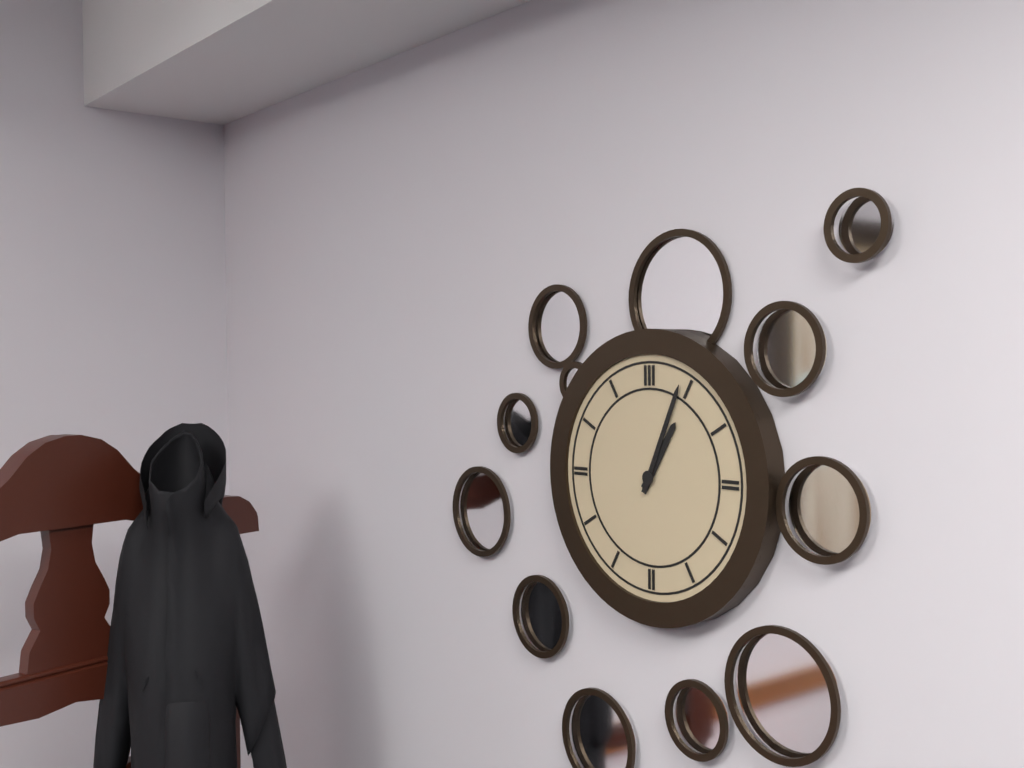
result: h=1 m=4
